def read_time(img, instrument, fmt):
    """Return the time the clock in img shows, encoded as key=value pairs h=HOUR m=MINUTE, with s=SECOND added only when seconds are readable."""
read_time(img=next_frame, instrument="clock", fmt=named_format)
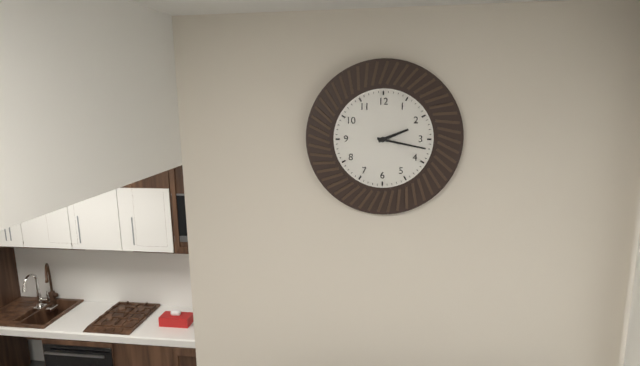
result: h=2 m=17
